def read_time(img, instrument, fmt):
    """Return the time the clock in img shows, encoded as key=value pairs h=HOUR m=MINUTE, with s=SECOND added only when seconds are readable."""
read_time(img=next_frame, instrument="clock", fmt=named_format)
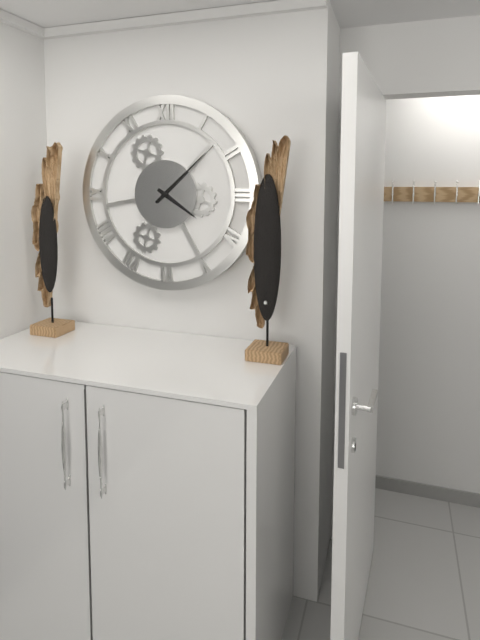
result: h=4 m=8
